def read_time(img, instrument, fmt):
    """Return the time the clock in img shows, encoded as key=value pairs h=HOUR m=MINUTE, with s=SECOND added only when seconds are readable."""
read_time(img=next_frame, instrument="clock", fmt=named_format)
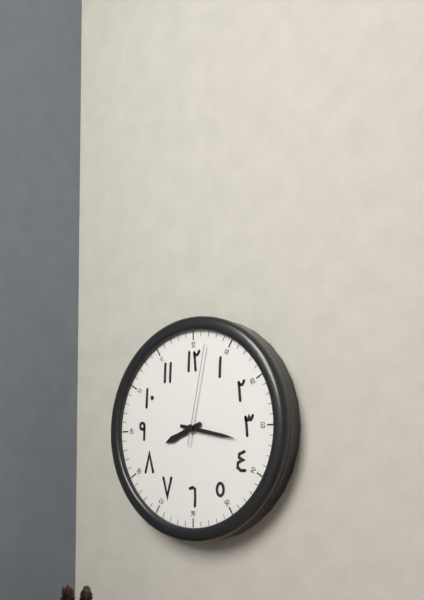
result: h=8 m=17 s=2
